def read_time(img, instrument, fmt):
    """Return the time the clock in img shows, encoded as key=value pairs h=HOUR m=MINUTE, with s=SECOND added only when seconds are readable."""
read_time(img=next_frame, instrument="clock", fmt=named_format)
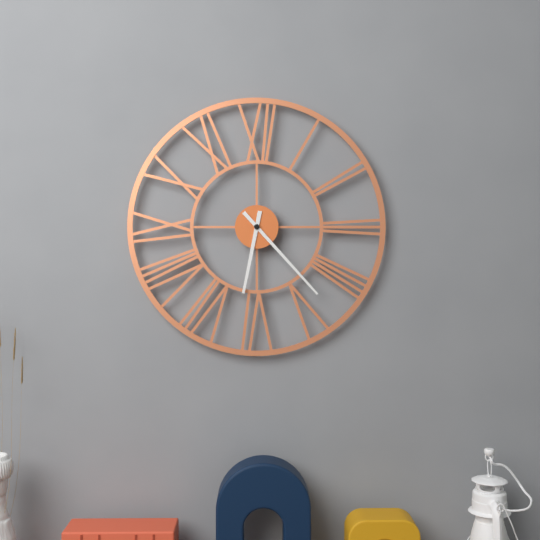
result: h=6 m=23
